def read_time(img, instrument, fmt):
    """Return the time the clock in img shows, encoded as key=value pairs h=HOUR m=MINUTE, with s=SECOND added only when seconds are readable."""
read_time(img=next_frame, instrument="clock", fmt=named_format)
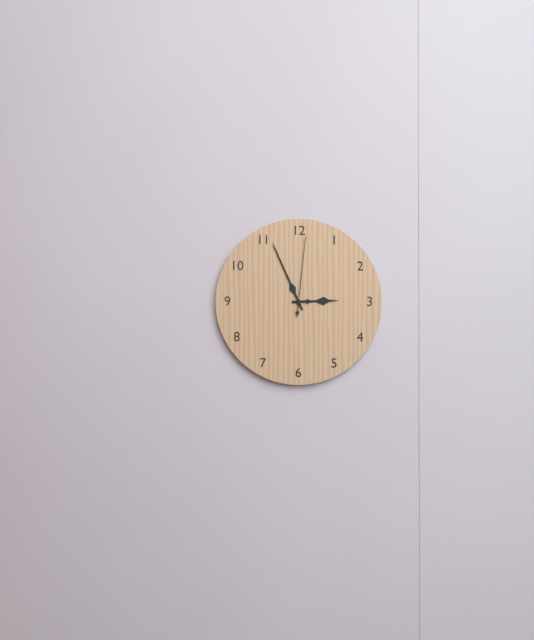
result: h=2 m=56 s=1
